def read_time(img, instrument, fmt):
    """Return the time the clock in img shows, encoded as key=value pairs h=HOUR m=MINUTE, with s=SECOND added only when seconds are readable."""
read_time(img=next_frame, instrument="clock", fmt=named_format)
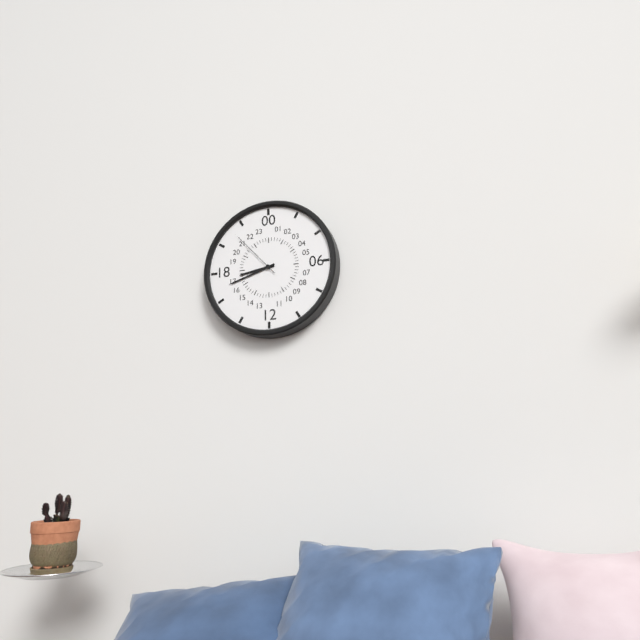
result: h=8 m=42 s=53
